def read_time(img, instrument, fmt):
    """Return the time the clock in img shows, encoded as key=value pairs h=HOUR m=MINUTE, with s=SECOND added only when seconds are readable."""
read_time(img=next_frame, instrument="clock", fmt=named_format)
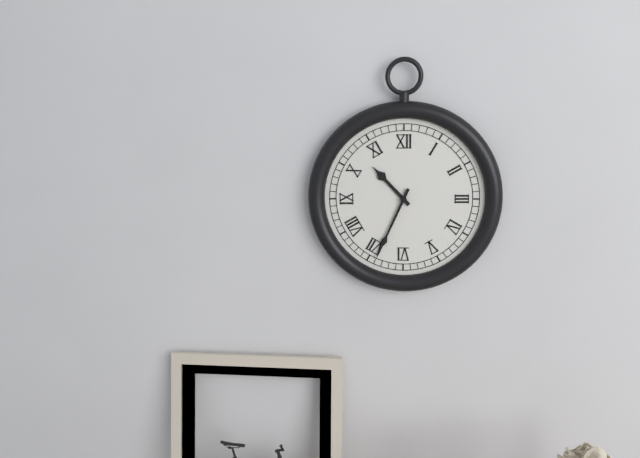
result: h=10 m=34
